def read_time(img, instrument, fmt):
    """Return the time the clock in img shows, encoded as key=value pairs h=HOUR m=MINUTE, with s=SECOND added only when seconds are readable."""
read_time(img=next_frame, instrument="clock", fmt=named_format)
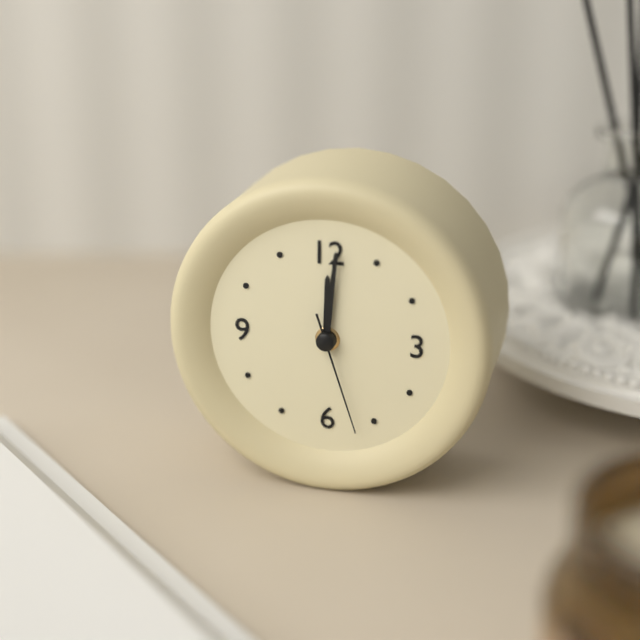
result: h=12 m=1 s=27
